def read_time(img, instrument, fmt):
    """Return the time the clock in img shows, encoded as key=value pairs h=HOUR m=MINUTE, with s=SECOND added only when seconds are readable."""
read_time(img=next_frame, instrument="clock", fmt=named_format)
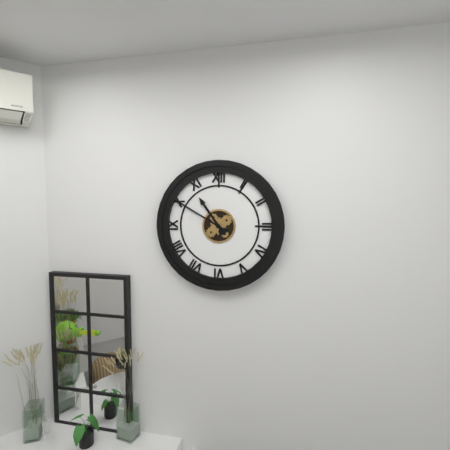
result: h=10 m=50
